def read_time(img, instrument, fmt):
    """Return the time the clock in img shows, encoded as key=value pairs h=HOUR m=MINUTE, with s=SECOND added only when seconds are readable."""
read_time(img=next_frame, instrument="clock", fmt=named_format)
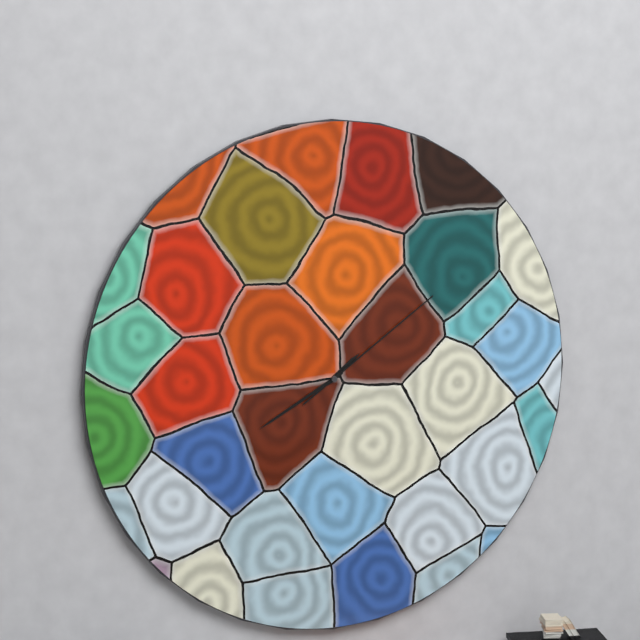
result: h=1 m=40 s=9
